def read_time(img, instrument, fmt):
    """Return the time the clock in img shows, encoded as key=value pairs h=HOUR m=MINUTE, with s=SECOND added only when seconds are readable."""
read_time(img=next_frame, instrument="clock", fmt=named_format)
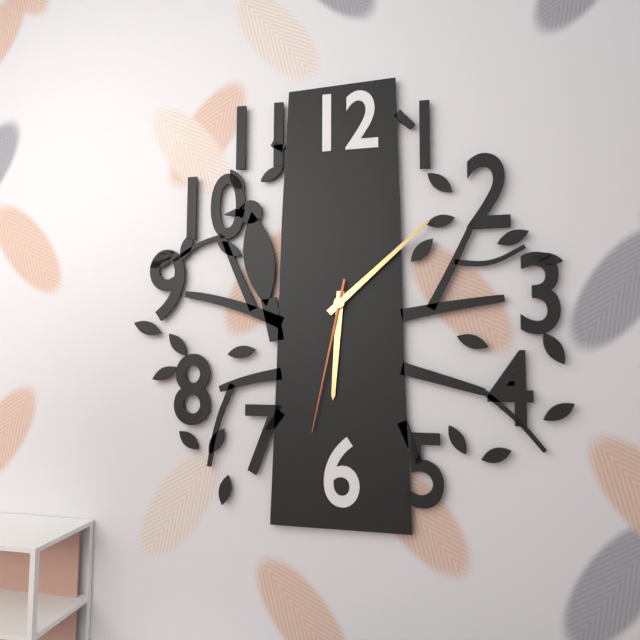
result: h=6 m=8 s=32
